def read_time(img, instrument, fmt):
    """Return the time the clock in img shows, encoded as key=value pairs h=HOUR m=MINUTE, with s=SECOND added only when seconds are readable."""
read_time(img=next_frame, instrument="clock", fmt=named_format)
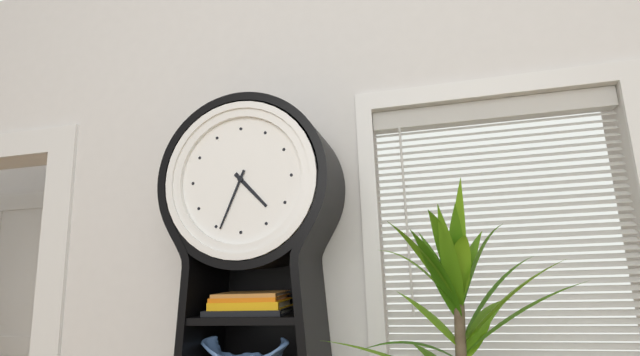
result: h=4 m=34
